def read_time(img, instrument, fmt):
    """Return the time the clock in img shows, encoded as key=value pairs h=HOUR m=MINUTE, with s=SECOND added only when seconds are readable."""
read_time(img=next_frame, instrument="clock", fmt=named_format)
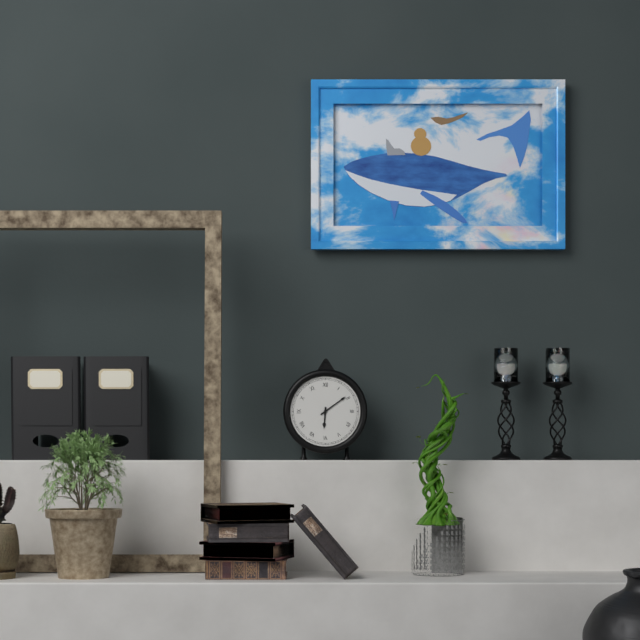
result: h=6 m=9
